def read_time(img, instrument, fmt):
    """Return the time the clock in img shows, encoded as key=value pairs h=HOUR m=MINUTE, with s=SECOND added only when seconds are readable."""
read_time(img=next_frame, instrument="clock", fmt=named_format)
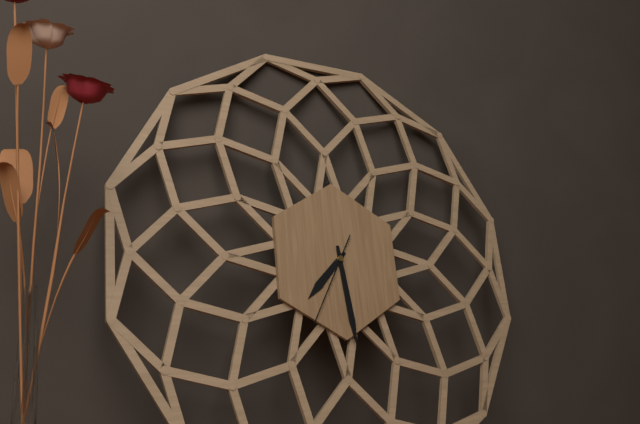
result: h=7 m=29 s=35
